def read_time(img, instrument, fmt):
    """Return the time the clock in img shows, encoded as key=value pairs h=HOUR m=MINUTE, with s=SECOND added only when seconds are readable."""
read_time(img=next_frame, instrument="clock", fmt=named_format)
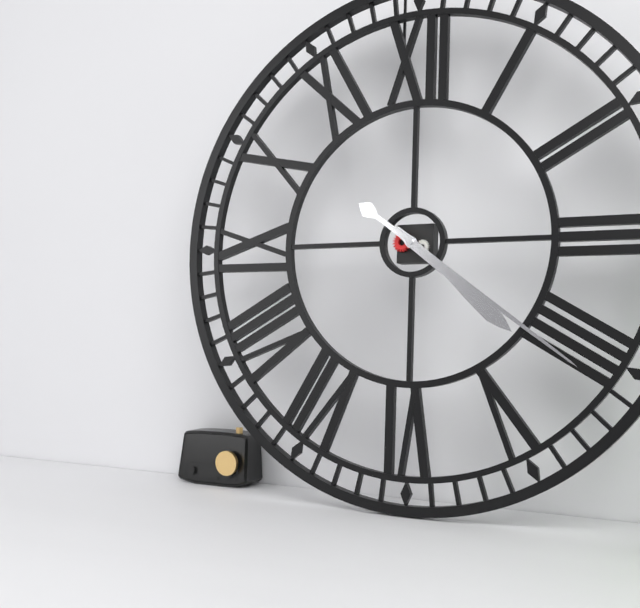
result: h=4 m=21
